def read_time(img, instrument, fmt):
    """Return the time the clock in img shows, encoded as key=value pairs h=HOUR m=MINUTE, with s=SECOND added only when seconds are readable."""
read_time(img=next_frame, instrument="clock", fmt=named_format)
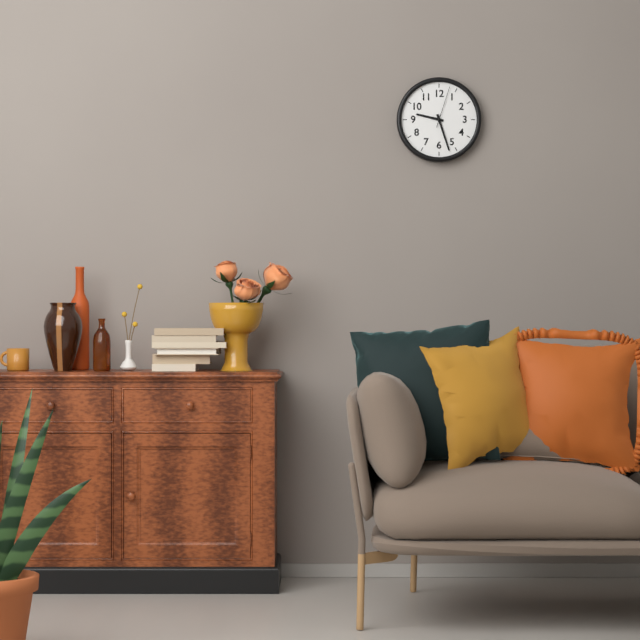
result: h=9 m=27
